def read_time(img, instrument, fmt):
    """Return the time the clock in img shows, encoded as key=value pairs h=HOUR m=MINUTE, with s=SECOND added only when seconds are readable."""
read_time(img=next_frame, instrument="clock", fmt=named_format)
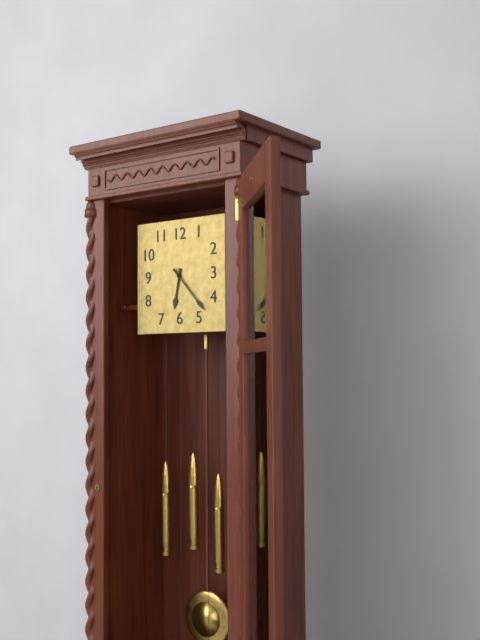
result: h=6 m=23
